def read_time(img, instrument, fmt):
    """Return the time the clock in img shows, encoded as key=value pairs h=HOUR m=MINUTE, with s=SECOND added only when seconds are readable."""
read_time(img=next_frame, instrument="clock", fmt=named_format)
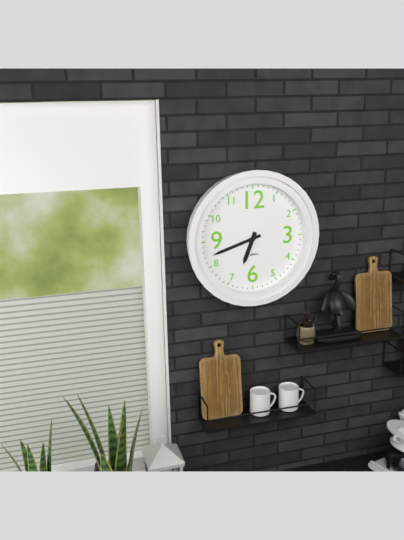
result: h=6 m=42
